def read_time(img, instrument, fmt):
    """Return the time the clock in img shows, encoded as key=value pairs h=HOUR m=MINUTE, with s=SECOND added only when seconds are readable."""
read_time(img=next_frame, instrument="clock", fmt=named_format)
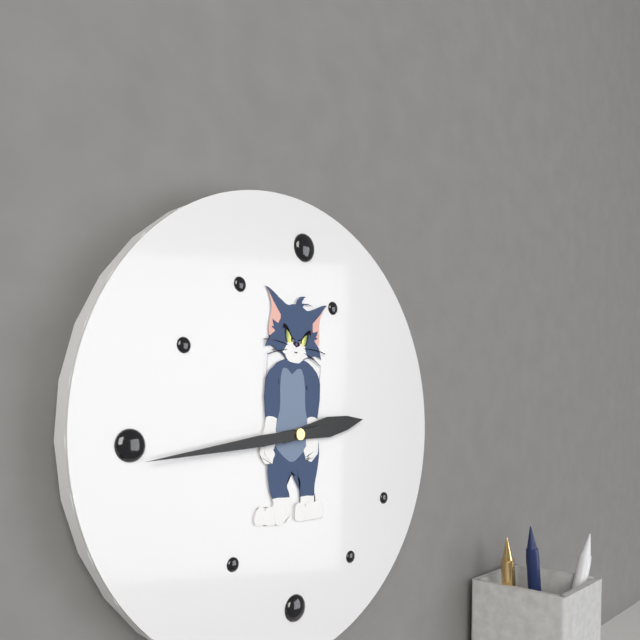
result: h=2 m=44
